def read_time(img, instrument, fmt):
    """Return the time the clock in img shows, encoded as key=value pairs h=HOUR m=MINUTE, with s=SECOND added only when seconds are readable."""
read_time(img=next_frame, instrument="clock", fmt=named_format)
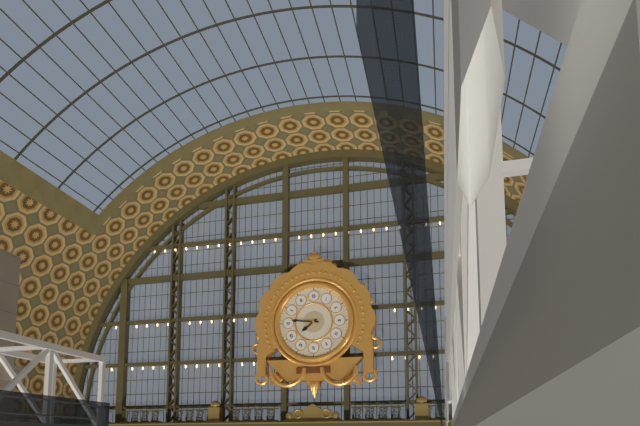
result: h=7 m=46
